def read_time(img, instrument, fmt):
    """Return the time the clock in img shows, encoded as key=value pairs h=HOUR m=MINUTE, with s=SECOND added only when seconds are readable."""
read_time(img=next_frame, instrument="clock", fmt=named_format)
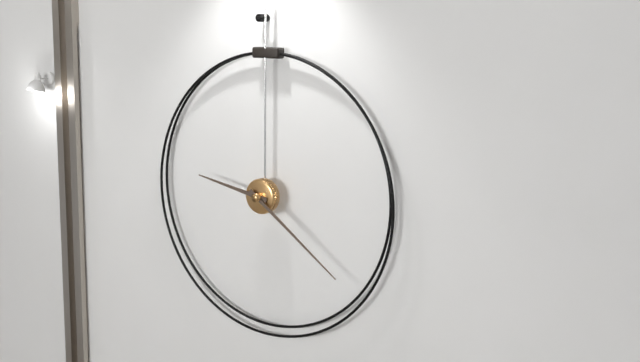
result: h=9 m=21
